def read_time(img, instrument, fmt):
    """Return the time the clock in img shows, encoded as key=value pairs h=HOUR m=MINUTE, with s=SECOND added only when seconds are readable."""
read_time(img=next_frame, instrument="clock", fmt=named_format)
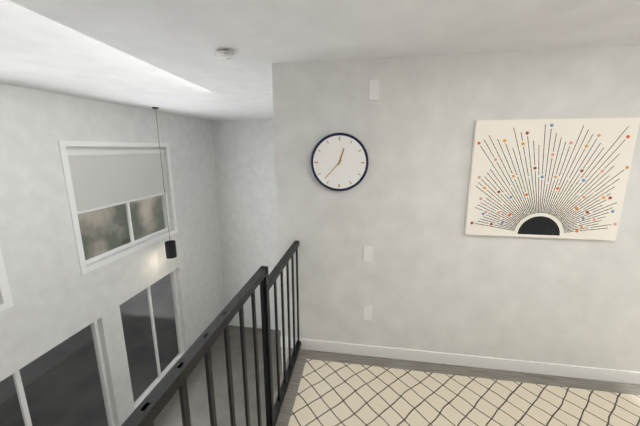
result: h=12 m=37
